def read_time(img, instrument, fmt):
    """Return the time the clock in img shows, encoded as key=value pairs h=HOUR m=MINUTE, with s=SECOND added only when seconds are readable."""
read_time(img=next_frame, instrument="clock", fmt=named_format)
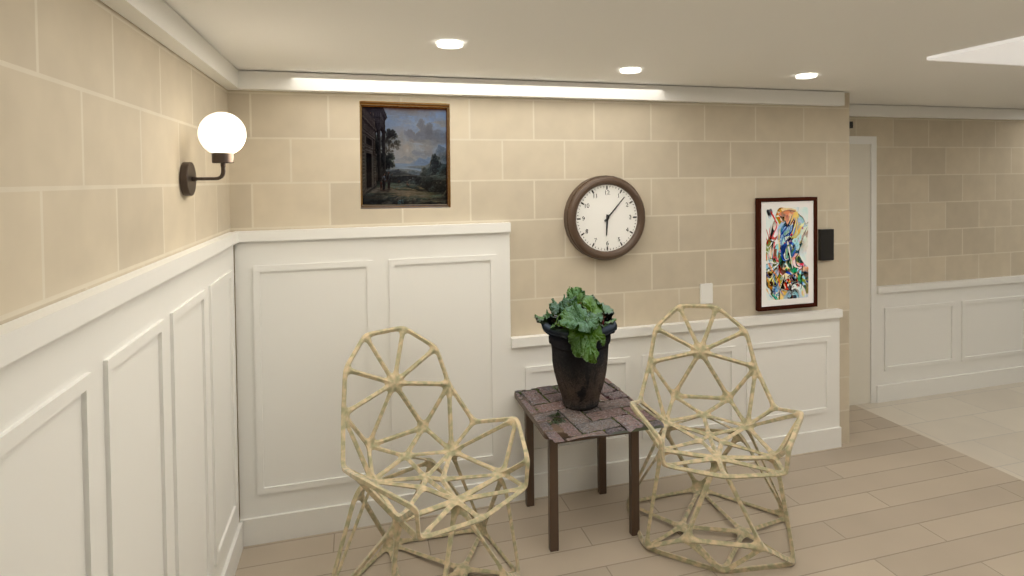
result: h=6 m=7
